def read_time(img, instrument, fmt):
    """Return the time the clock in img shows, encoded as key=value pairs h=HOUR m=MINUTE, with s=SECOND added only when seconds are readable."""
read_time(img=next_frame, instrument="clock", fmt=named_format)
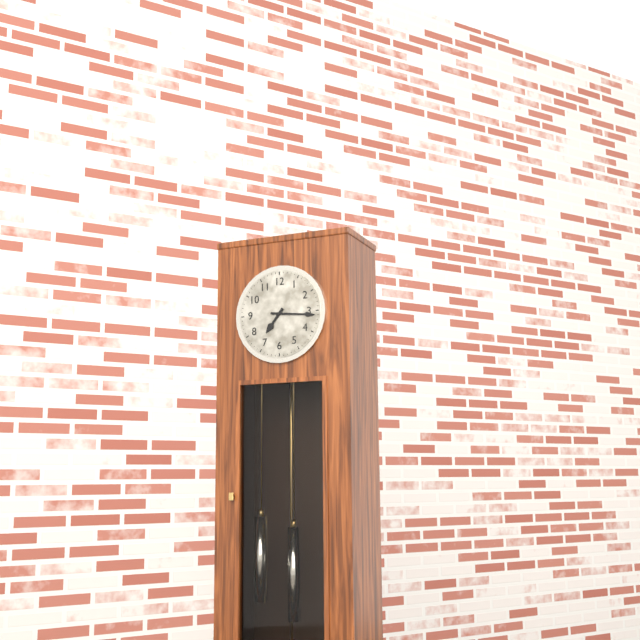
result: h=7 m=16
